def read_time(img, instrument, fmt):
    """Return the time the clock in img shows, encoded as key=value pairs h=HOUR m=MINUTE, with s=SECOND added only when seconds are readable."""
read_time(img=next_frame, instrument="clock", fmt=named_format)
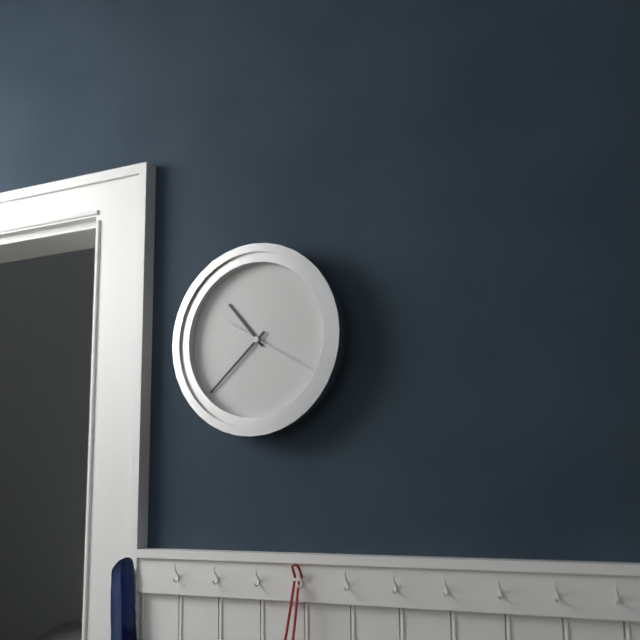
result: h=10 m=38 s=20
